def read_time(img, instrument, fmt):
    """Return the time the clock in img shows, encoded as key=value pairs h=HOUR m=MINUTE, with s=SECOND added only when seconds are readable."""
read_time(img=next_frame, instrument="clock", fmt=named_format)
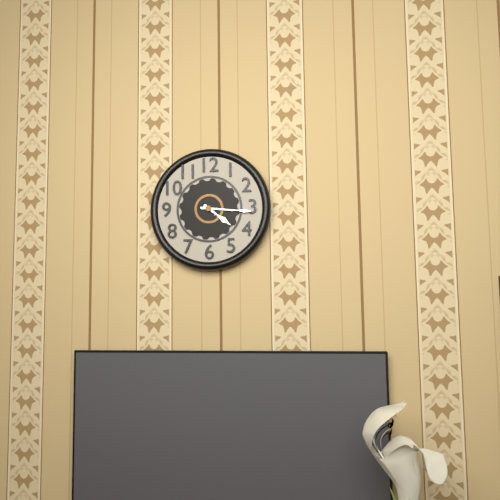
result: h=4 m=16
